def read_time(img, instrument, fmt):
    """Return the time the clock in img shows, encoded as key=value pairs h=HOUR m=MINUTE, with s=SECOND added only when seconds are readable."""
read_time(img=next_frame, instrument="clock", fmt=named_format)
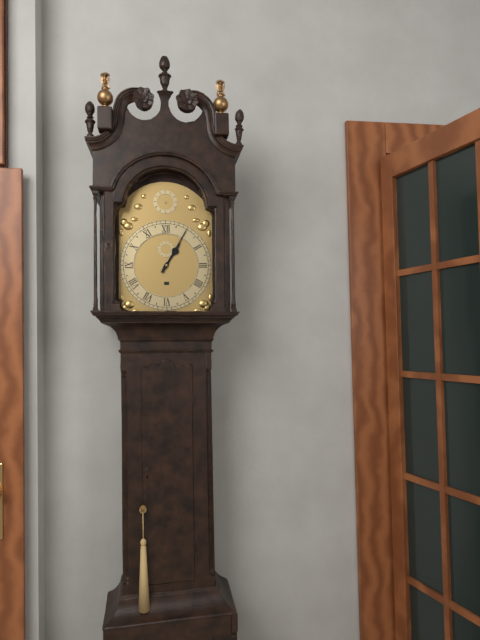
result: h=1 m=5
